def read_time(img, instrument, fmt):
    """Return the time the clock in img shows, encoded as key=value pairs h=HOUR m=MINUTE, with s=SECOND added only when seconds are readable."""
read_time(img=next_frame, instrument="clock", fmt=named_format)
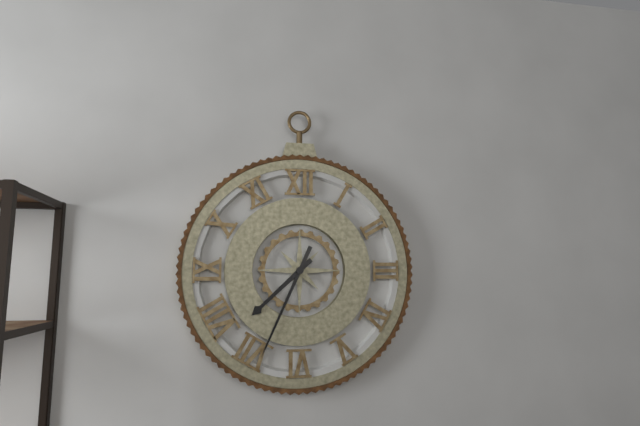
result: h=7 m=34
